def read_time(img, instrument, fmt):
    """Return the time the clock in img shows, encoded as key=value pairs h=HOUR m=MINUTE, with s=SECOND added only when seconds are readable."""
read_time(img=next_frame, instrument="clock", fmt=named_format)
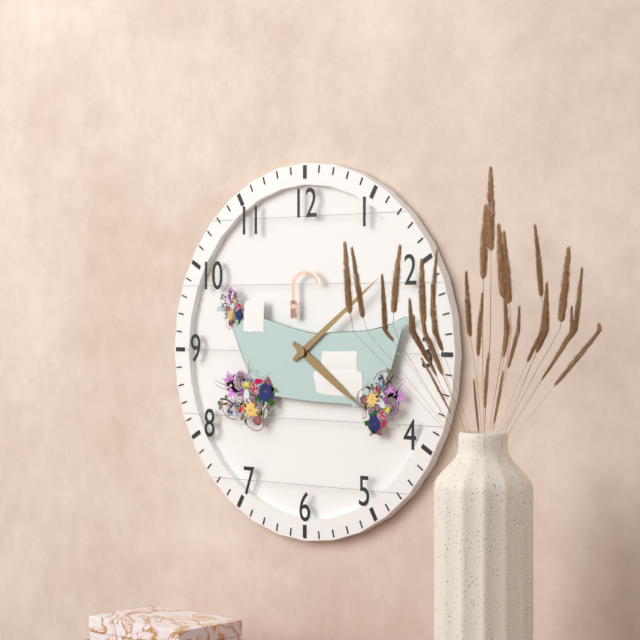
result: h=4 m=9
